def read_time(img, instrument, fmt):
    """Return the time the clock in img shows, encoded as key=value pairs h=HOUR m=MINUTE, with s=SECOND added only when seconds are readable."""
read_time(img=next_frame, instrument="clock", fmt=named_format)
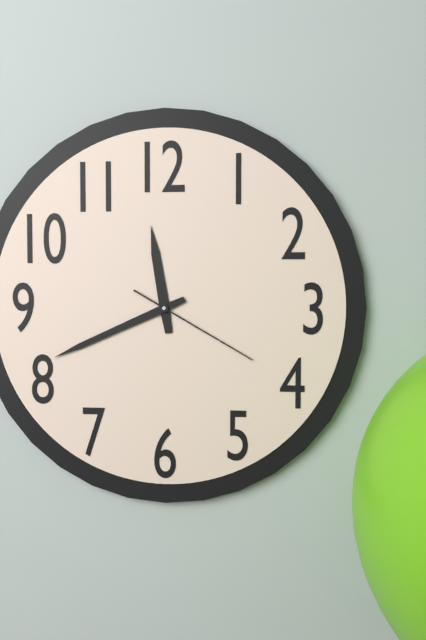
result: h=11 m=41 s=20
